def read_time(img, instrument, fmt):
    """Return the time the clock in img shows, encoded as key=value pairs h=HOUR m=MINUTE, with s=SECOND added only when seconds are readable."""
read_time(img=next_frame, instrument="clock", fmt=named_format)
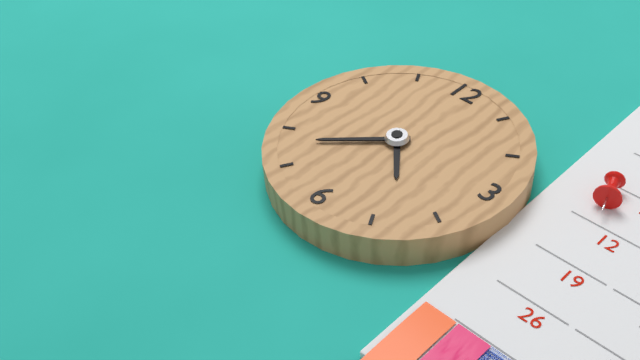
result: h=4 m=38
